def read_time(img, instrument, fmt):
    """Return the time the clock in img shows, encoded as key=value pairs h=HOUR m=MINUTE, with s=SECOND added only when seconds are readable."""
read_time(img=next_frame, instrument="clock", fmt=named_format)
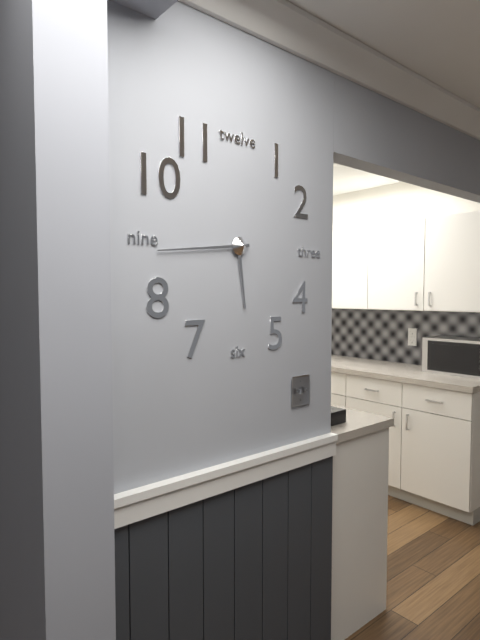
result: h=5 m=44
